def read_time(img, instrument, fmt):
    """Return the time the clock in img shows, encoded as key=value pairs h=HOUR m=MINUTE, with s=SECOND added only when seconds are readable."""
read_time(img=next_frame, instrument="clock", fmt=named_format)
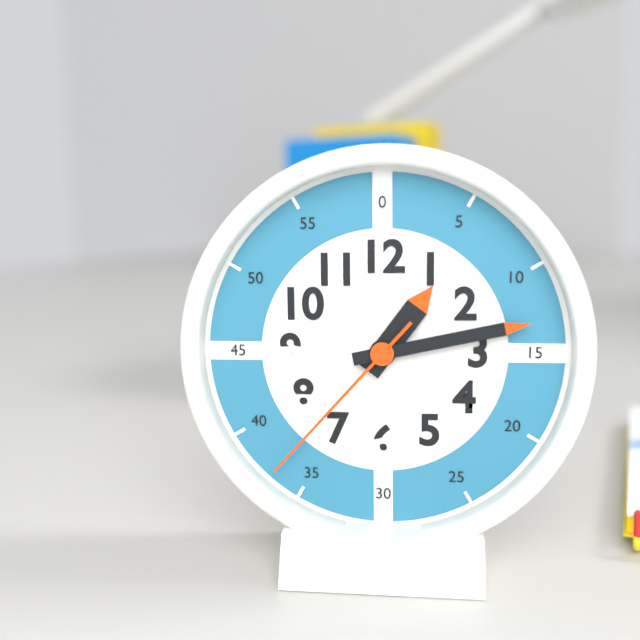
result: h=1 m=13 s=37
